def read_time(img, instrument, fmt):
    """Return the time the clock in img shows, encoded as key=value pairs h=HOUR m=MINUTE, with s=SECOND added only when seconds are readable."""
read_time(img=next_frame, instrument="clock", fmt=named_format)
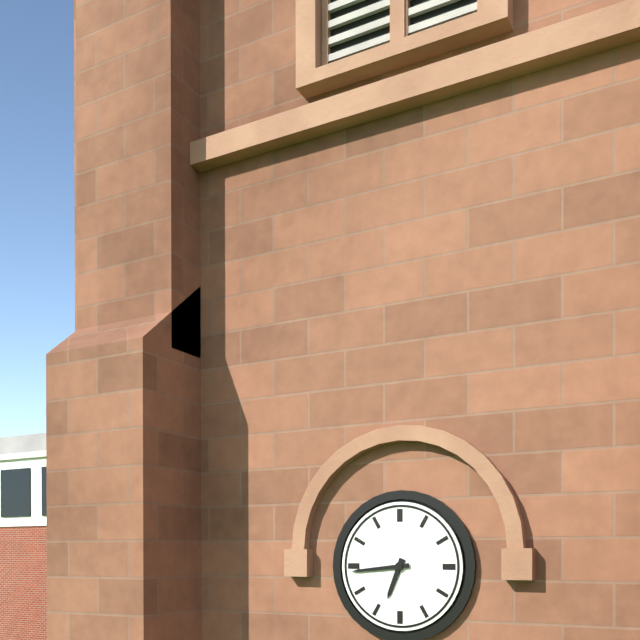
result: h=6 m=44
